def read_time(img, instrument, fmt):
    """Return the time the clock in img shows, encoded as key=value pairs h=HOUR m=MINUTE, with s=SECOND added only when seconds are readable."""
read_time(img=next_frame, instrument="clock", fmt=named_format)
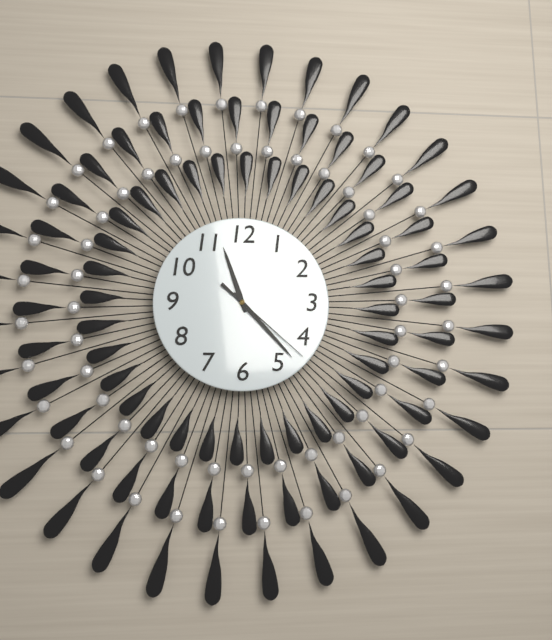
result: h=11 m=23 s=22
